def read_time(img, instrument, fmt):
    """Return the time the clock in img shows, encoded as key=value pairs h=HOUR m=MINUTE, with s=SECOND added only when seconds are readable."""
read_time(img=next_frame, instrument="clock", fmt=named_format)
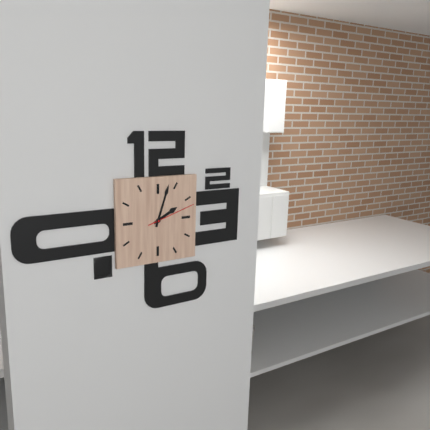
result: h=2 m=3 s=12
